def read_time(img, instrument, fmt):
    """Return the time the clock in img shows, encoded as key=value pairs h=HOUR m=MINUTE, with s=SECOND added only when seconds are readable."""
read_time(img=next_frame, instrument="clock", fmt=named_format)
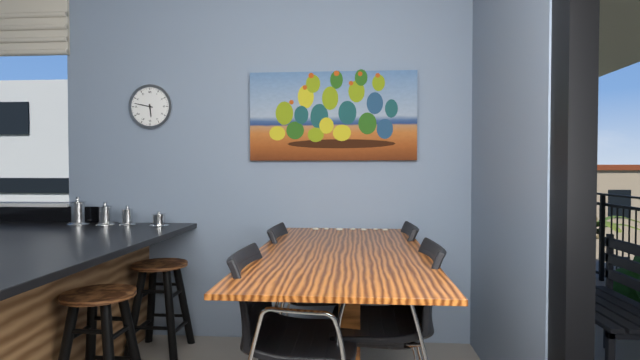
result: h=5 m=47
